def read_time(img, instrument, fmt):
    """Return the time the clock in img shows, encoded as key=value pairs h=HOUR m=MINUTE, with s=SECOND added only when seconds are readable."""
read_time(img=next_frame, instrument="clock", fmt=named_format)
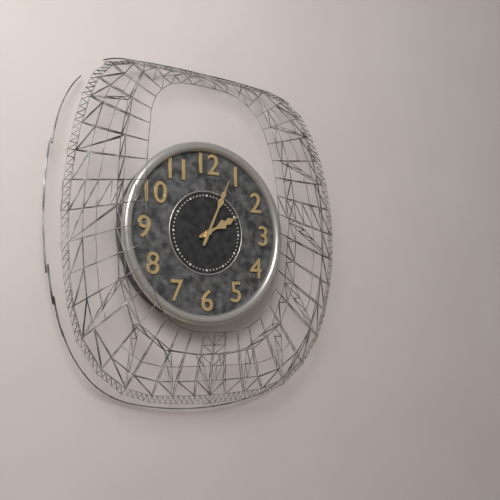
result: h=2 m=4
